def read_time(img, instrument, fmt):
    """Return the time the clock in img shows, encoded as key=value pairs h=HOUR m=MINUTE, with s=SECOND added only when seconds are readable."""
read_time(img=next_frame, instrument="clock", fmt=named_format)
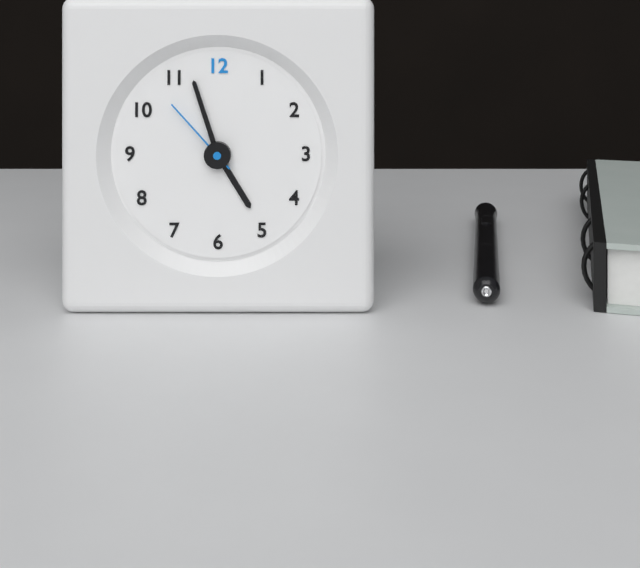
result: h=4 m=57 s=53
